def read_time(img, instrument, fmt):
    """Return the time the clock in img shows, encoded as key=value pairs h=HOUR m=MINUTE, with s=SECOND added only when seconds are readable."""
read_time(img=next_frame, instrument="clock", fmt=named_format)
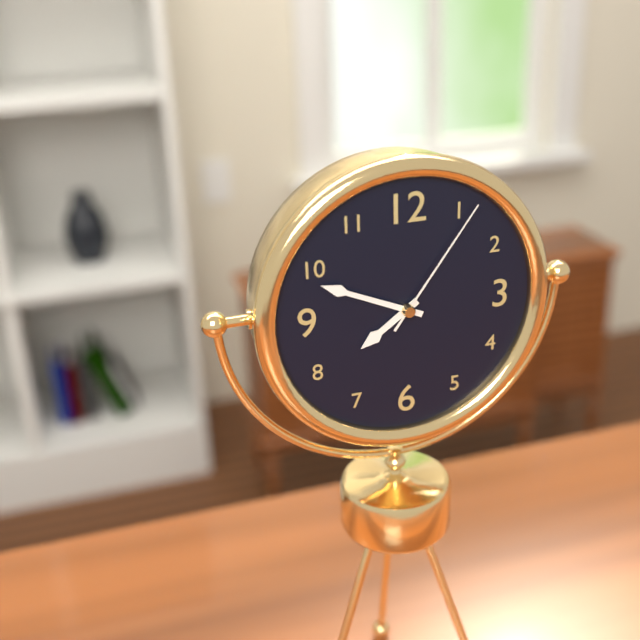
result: h=7 m=49 s=6
